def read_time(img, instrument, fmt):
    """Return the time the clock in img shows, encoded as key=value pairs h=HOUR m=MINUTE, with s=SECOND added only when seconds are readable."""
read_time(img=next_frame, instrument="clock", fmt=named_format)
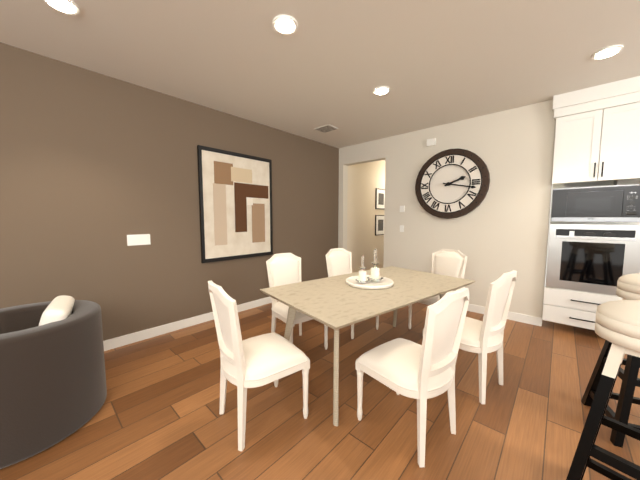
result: h=2 m=17
